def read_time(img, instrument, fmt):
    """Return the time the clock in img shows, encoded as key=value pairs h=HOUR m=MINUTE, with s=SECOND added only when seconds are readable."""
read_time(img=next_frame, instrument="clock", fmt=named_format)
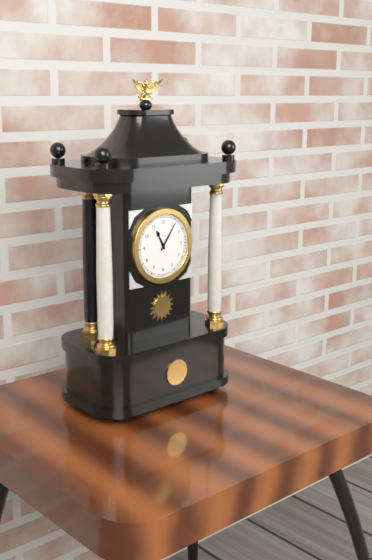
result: h=11 m=6
